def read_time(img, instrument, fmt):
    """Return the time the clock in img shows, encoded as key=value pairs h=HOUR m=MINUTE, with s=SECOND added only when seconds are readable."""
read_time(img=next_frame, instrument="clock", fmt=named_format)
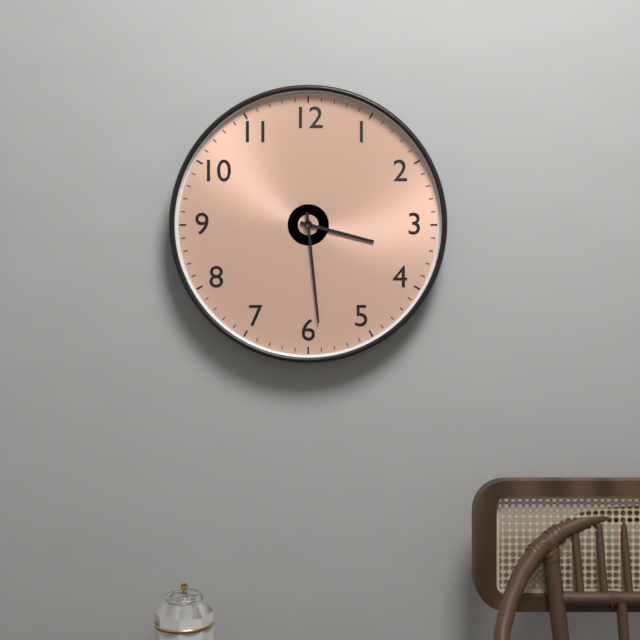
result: h=3 m=29
